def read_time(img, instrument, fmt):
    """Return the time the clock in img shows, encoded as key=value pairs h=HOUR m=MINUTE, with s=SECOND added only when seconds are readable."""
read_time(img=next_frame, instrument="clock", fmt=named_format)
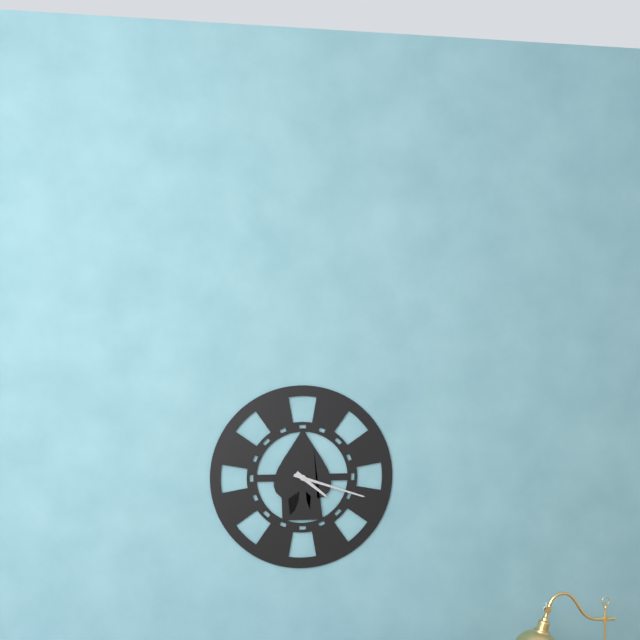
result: h=4 m=18
